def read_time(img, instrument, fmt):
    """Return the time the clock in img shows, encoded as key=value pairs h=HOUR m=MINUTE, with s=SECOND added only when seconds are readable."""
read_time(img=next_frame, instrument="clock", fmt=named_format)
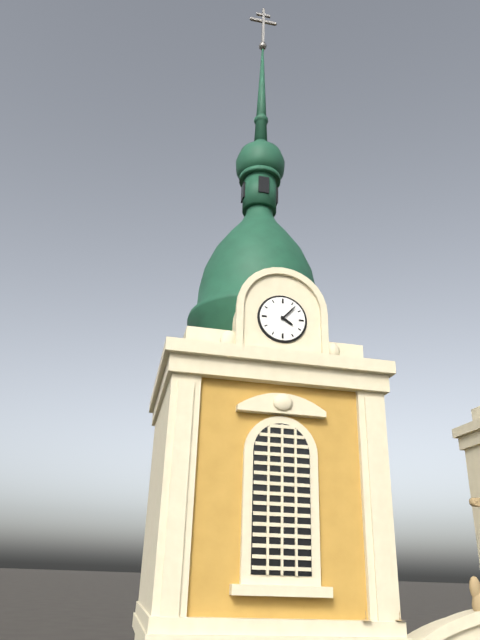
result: h=4 m=7
